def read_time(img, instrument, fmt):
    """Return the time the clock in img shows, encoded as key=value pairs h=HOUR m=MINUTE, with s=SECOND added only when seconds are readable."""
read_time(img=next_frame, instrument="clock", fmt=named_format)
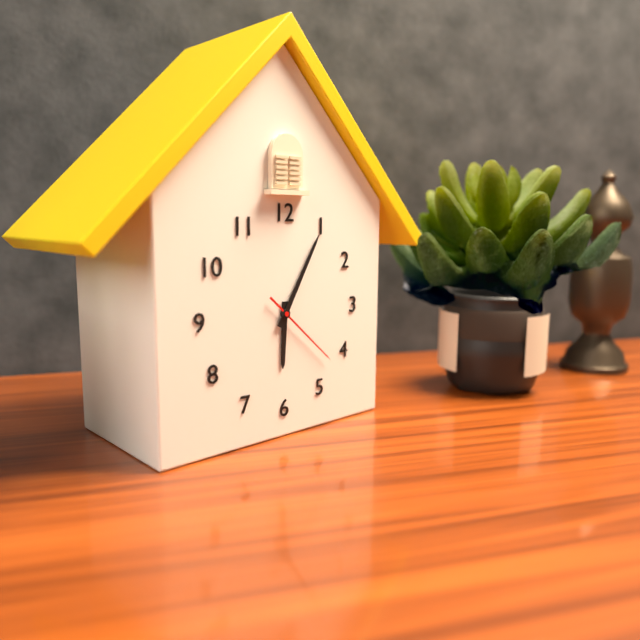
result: h=6 m=5 s=22
